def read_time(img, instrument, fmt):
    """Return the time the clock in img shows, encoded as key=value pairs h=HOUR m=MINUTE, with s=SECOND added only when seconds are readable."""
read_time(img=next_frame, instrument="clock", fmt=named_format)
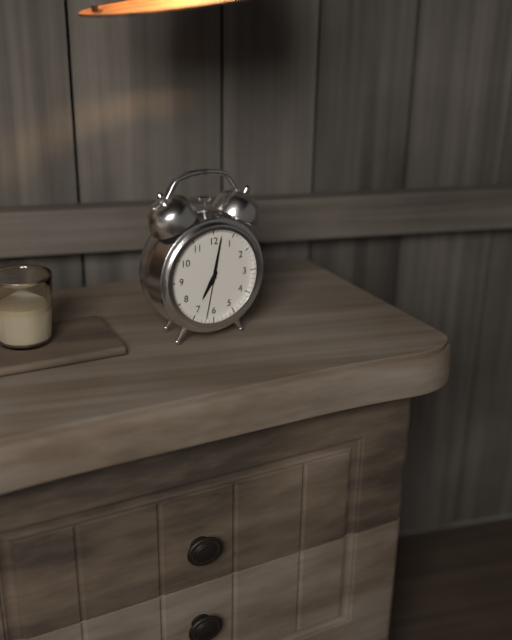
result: h=7 m=2 s=32
